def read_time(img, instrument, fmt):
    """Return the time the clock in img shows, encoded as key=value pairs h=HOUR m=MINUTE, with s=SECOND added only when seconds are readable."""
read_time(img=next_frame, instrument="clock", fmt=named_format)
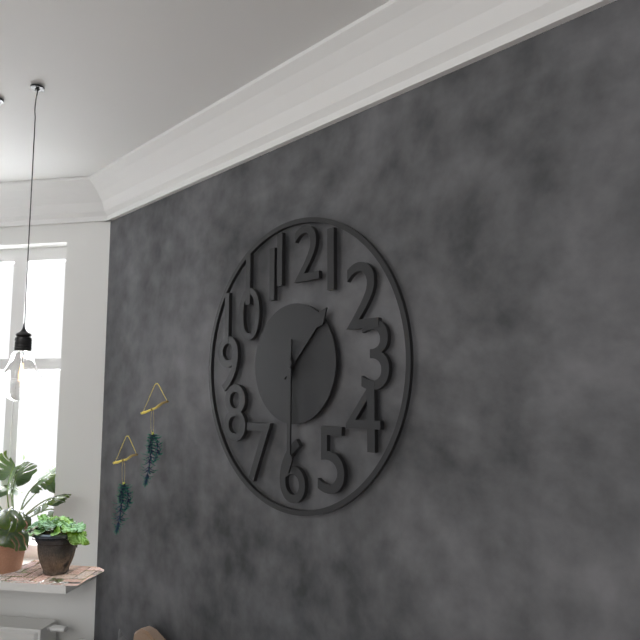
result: h=1 m=30
